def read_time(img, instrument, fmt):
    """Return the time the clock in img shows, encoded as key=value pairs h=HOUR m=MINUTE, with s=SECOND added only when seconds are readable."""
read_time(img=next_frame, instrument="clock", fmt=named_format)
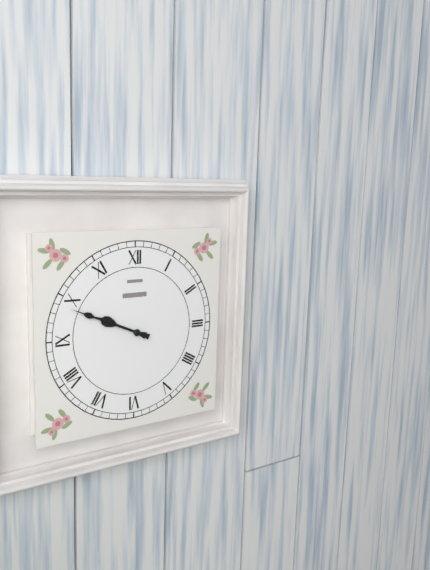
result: h=9 m=49
